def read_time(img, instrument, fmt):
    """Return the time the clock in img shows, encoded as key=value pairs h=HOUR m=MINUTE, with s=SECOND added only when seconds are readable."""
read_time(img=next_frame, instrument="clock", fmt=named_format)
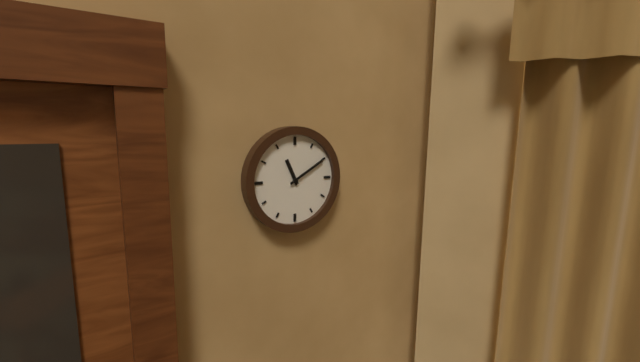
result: h=11 m=10
